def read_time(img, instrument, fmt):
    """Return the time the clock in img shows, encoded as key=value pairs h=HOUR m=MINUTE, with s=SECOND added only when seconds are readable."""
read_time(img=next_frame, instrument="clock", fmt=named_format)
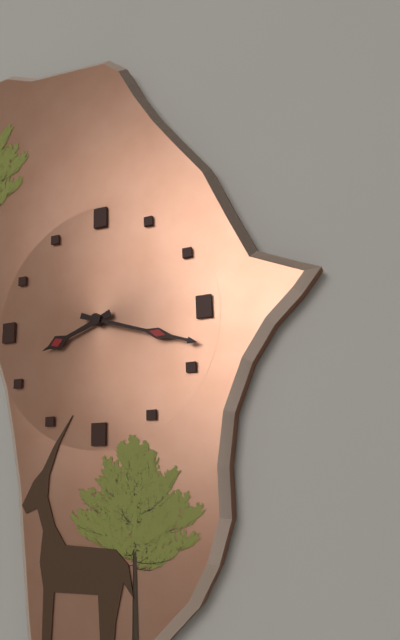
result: h=8 m=18
